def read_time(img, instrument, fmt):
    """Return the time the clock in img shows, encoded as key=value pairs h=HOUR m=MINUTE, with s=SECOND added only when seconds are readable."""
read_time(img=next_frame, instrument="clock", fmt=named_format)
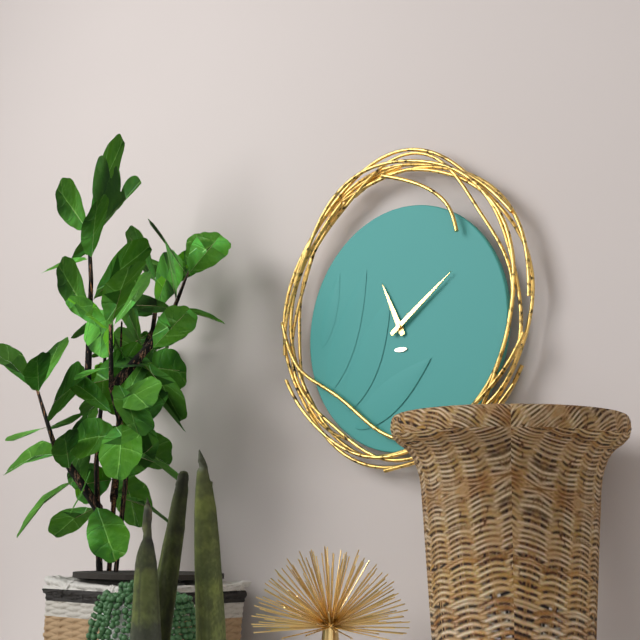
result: h=11 m=9
